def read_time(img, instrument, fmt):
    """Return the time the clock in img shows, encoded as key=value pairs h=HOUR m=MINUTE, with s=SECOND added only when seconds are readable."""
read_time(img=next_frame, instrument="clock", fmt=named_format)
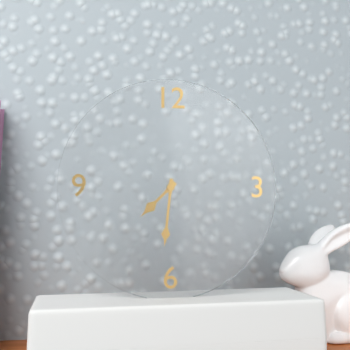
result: h=7 m=31
